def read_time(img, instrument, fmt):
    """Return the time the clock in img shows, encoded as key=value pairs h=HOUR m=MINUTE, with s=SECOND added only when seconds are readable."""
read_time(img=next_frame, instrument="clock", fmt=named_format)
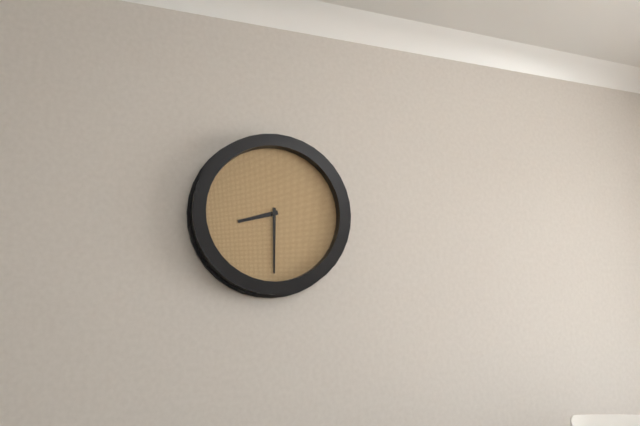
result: h=8 m=30
